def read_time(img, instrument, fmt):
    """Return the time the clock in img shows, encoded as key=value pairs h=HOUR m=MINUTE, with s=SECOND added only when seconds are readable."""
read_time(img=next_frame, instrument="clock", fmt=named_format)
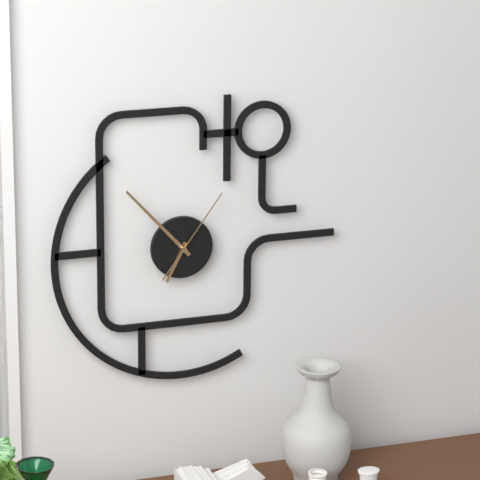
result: h=6 m=53 s=6
